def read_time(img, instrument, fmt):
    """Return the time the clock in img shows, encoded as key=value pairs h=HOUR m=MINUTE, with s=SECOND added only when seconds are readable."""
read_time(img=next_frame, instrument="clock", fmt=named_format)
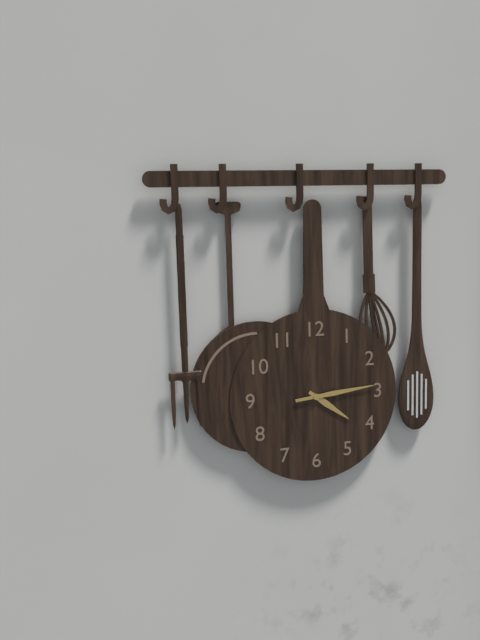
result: h=4 m=14
